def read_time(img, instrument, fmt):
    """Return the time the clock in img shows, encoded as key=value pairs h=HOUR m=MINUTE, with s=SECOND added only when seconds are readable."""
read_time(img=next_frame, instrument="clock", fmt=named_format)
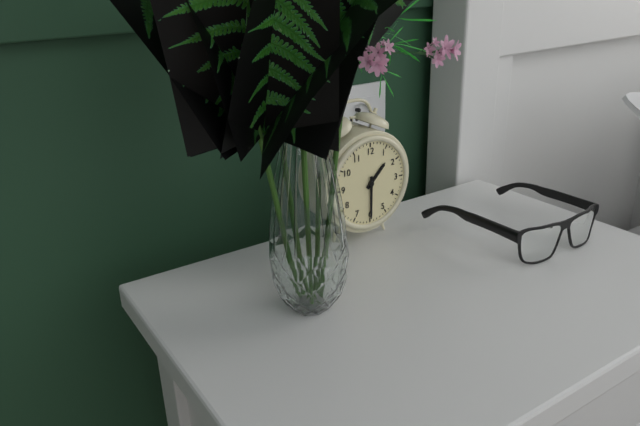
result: h=1 m=30
